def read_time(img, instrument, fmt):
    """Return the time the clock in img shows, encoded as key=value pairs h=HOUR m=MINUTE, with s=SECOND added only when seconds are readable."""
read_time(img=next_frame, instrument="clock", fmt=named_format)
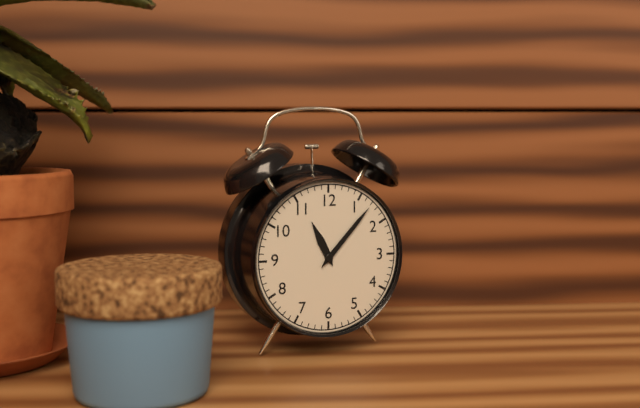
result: h=11 m=7
